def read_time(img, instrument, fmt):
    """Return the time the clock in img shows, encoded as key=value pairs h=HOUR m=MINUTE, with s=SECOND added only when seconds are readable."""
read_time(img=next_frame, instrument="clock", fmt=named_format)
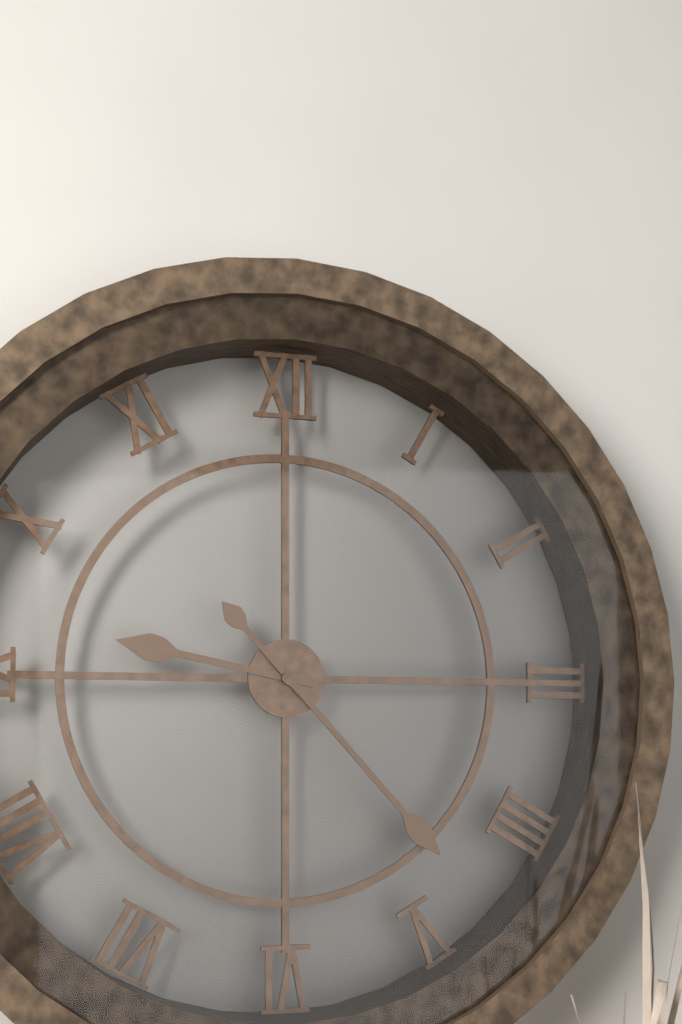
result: h=9 m=23
